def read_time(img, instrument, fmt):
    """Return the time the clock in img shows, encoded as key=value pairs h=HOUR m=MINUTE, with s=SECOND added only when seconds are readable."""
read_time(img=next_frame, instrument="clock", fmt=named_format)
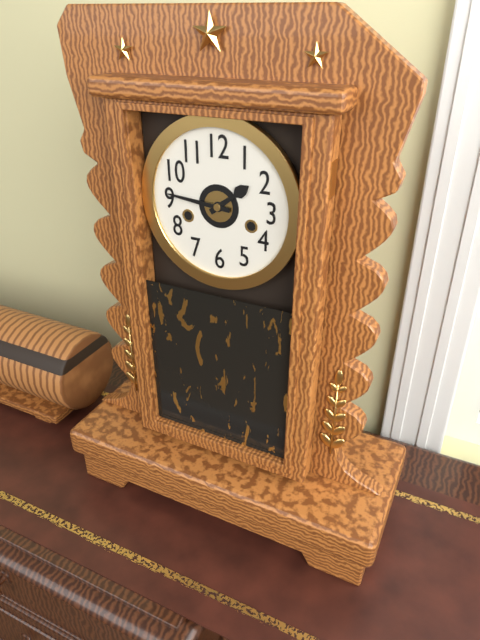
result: h=1 m=46
